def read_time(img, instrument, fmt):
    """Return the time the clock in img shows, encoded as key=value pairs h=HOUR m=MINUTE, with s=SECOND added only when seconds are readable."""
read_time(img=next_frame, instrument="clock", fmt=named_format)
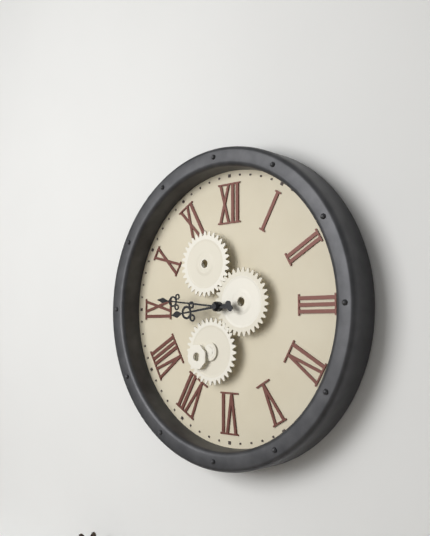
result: h=8 m=46
